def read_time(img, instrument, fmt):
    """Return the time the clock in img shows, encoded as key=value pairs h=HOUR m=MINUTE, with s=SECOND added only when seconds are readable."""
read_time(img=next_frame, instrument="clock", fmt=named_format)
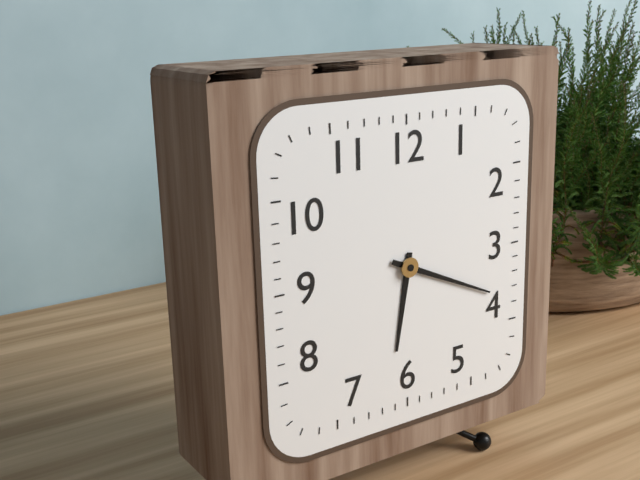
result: h=6 m=19
